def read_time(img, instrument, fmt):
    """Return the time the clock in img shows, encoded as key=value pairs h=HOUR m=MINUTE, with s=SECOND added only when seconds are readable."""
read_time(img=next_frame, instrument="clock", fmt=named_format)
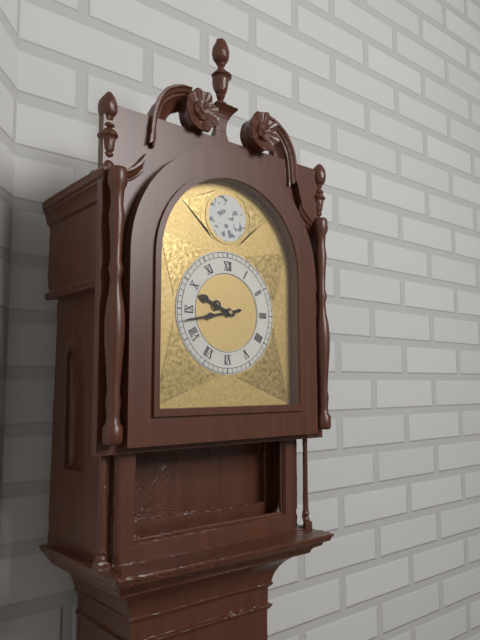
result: h=9 m=43
